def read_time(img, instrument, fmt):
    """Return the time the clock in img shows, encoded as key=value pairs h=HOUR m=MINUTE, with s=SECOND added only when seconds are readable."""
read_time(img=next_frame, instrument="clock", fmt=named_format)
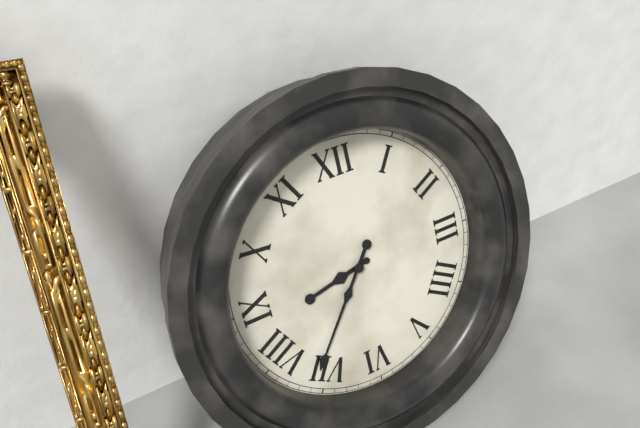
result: h=8 m=36
